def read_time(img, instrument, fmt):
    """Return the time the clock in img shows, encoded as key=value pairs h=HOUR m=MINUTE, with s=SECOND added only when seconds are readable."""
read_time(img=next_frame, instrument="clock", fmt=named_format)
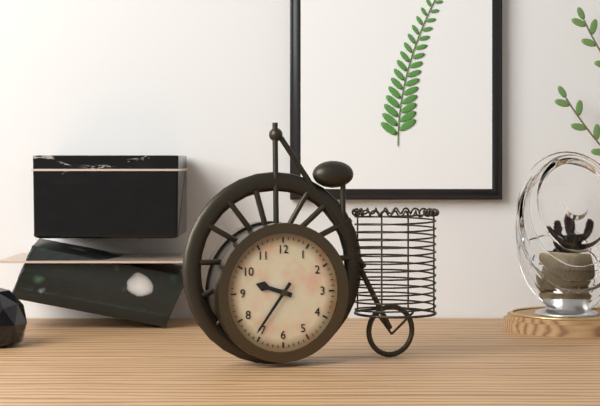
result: h=9 m=36
